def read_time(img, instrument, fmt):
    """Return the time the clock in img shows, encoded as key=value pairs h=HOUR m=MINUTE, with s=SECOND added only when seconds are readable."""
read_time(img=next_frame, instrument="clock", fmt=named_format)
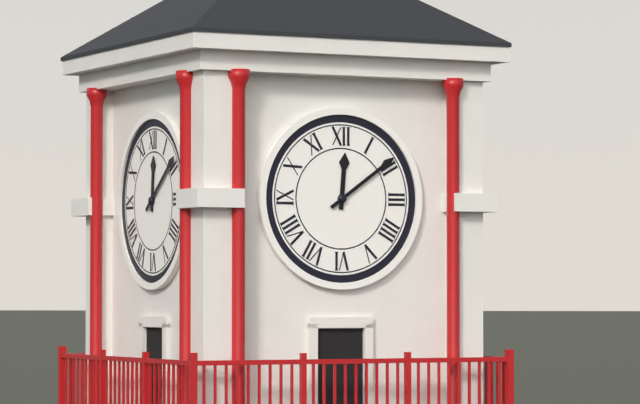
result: h=12 m=9
